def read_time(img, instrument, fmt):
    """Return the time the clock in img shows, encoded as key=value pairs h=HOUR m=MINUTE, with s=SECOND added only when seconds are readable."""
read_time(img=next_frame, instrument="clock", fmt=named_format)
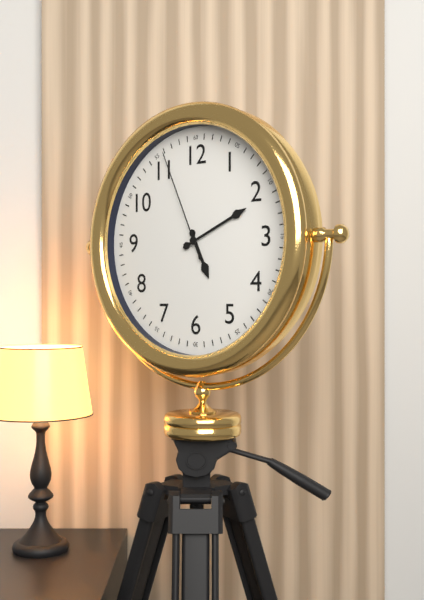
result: h=5 m=11 s=56
